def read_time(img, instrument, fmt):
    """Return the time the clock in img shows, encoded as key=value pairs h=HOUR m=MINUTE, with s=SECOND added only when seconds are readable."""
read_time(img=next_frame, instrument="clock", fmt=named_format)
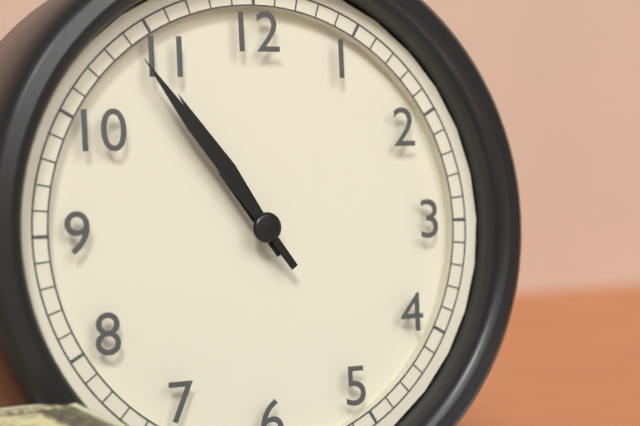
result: h=10 m=54
